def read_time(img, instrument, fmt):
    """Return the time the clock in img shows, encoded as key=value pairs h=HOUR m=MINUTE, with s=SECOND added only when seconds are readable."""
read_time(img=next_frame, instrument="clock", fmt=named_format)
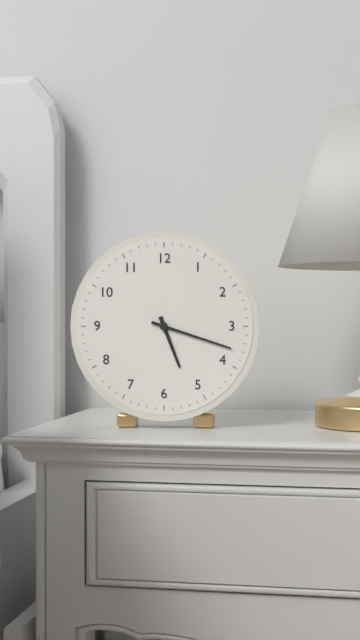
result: h=5 m=18
